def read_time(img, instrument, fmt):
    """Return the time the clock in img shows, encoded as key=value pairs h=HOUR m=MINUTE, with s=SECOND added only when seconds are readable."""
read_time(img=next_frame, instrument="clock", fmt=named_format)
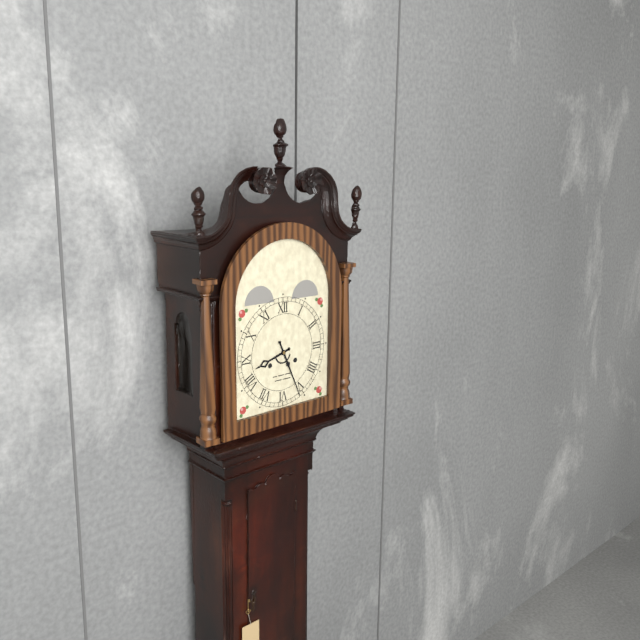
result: h=8 m=26
